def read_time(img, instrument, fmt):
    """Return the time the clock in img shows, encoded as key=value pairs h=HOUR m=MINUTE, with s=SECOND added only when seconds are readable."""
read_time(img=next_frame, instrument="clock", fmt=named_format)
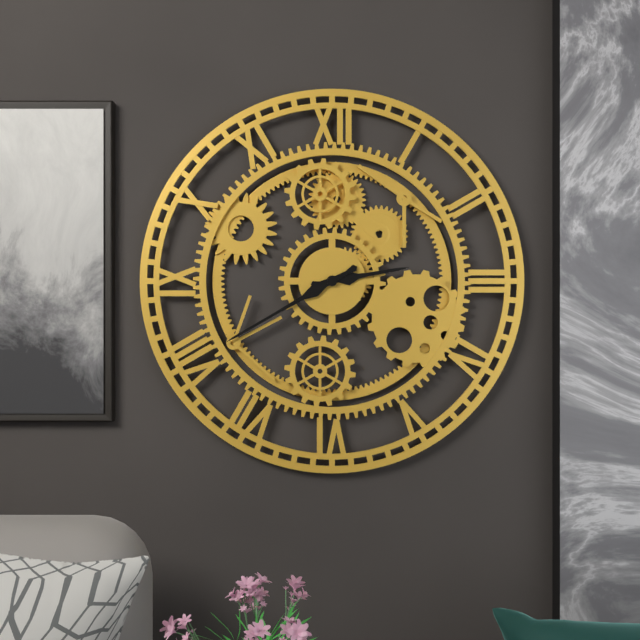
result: h=2 m=40
